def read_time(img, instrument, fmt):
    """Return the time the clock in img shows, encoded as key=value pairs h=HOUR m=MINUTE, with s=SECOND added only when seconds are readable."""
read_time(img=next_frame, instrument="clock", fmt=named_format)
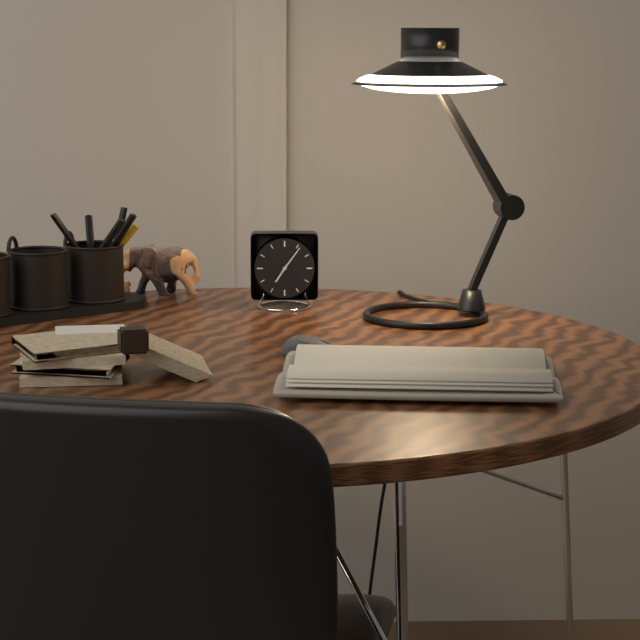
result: h=7 m=6
